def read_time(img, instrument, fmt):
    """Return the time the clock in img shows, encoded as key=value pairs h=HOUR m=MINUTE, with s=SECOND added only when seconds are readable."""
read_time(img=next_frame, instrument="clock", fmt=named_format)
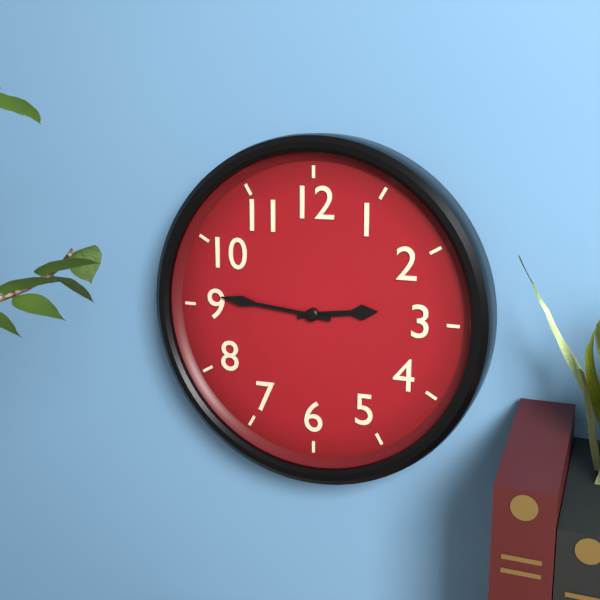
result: h=2 m=46
